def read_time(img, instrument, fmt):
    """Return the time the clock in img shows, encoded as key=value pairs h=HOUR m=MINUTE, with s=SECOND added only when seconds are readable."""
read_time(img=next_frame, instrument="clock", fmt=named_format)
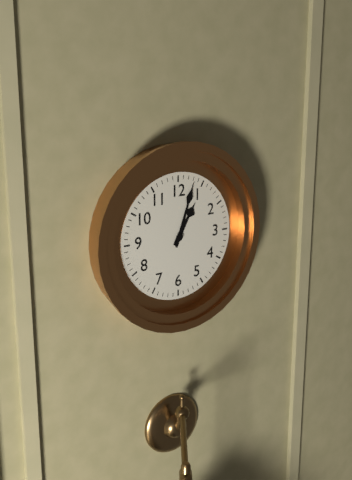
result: h=1 m=3
